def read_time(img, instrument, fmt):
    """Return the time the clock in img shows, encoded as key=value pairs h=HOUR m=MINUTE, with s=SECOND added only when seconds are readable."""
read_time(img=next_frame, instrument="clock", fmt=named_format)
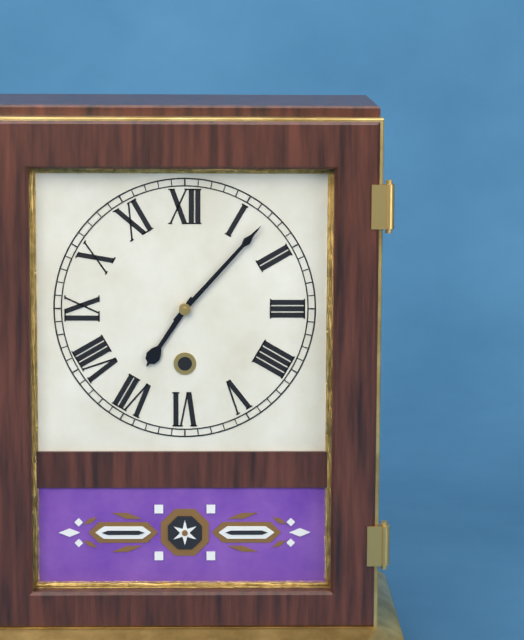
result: h=7 m=7
